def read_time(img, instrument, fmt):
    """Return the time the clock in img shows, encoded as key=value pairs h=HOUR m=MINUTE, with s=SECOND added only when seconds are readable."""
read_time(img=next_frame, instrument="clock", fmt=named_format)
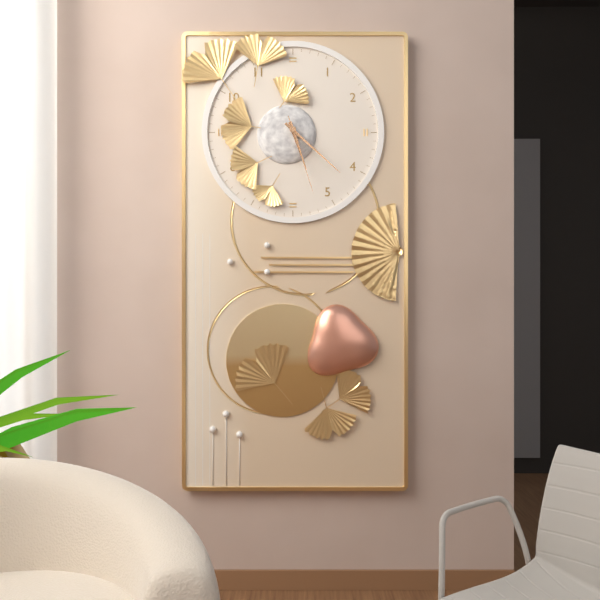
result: h=5 m=22 s=27
